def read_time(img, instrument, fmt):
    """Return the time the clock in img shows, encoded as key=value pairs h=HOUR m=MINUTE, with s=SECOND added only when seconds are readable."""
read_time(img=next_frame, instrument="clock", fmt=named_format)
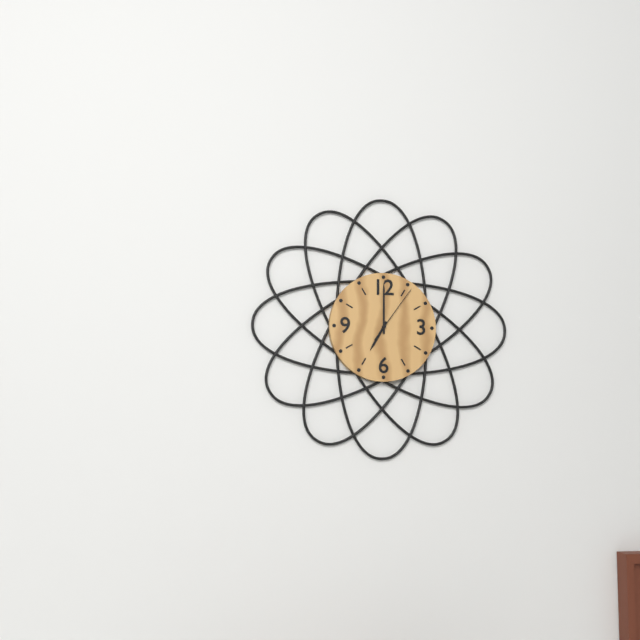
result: h=7 m=0 s=6
